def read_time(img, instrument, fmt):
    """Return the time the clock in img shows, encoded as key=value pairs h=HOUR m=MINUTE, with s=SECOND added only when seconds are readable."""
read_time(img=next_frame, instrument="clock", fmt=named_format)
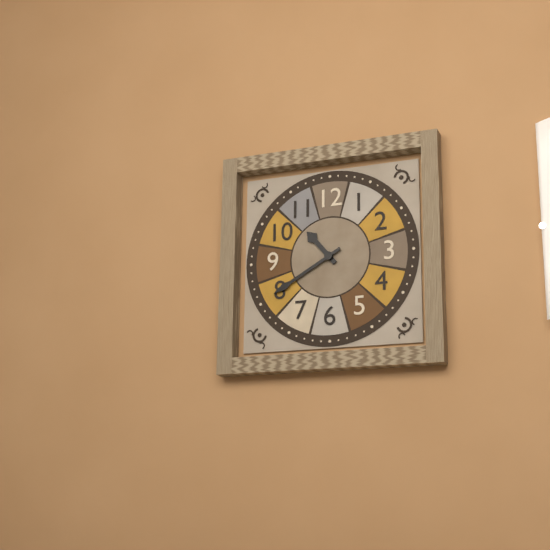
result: h=10 m=40
